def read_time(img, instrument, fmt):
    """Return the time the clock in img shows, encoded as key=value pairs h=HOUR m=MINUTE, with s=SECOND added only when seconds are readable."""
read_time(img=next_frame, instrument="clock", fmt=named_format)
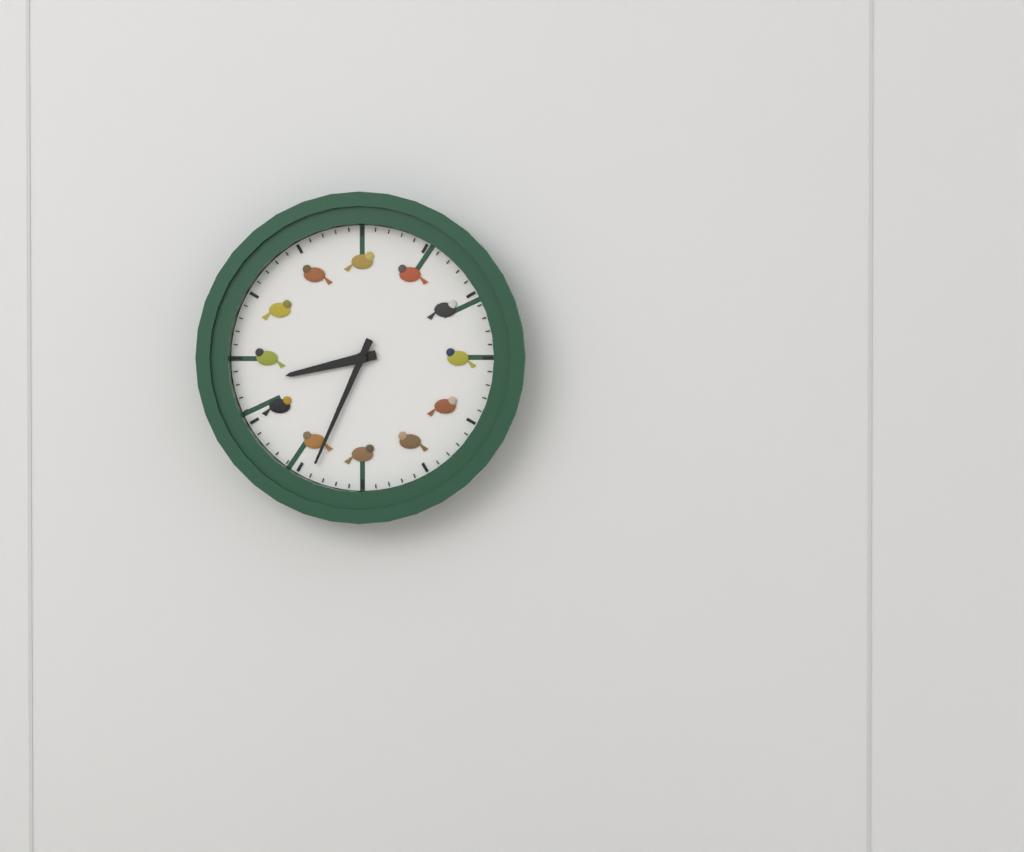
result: h=8 m=34
